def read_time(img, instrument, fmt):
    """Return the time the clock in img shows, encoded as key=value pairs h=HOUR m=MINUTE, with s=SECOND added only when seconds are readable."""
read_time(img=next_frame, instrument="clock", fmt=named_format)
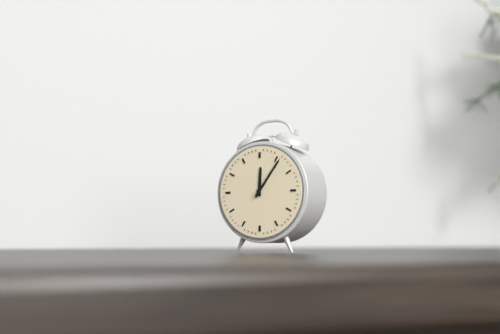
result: h=12 m=6
